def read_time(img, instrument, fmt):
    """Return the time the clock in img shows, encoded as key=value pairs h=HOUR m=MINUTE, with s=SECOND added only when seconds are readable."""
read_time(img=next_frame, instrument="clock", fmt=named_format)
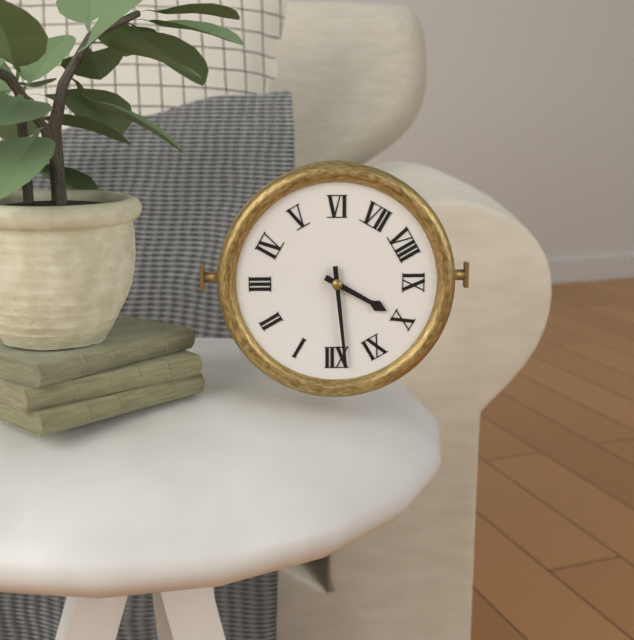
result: h=9 m=59
